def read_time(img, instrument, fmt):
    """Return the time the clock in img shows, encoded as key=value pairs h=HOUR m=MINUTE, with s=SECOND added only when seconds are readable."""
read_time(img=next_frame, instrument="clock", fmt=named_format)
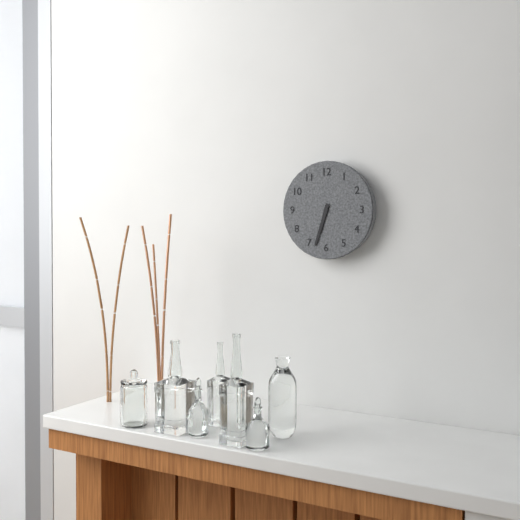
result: h=6 m=33
